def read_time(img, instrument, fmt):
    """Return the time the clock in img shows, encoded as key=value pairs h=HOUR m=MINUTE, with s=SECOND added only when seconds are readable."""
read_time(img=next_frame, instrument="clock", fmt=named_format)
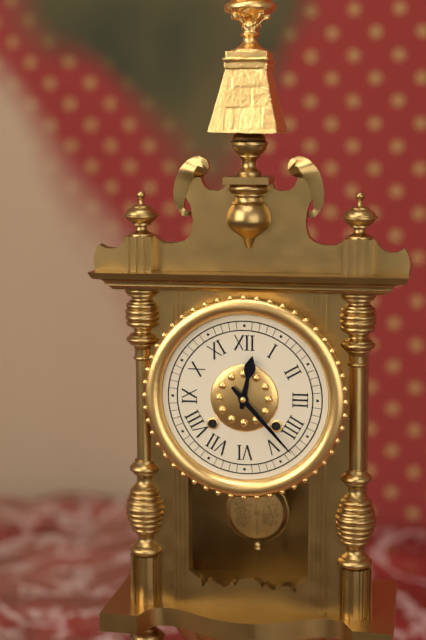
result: h=12 m=23
